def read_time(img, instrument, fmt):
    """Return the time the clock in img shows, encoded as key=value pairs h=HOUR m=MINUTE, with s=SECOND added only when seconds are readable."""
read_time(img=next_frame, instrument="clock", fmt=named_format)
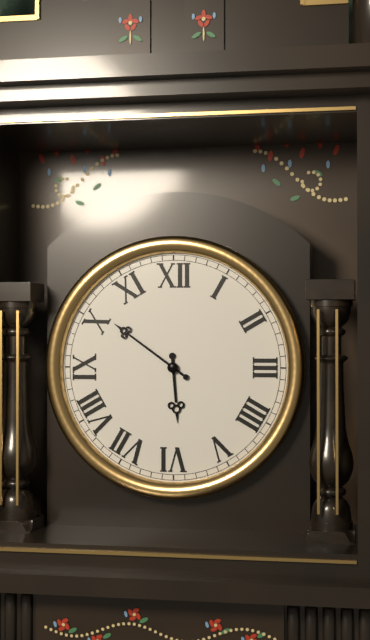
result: h=5 m=51
